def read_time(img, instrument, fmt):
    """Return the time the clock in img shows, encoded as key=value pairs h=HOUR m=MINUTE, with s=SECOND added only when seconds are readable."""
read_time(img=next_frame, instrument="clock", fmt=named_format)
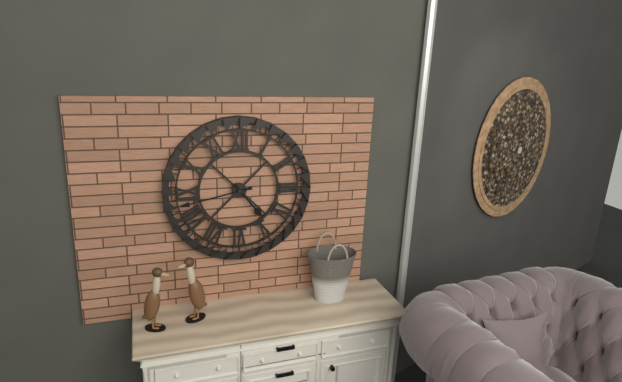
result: h=4 m=43
